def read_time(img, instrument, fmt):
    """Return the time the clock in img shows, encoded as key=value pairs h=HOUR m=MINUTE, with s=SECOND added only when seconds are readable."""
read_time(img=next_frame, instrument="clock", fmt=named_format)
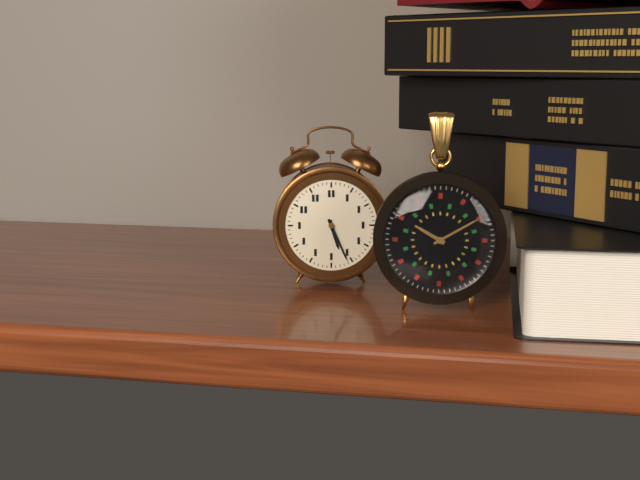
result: h=5 m=26
